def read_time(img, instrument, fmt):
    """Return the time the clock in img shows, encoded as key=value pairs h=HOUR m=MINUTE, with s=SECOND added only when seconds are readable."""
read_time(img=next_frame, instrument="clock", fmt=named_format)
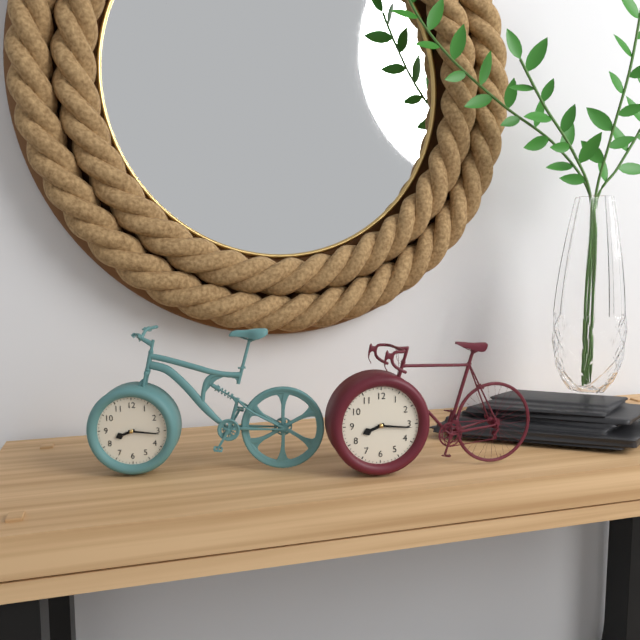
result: h=8 m=16
